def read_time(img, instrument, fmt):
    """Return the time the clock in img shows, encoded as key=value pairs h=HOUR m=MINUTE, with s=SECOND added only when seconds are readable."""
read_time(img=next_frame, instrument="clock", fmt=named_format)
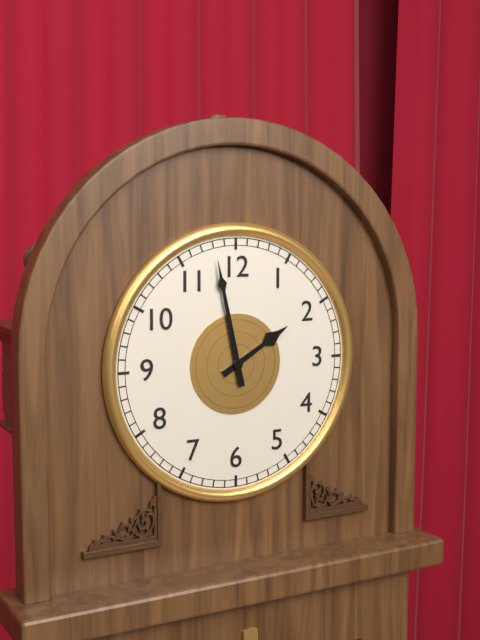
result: h=1 m=58
